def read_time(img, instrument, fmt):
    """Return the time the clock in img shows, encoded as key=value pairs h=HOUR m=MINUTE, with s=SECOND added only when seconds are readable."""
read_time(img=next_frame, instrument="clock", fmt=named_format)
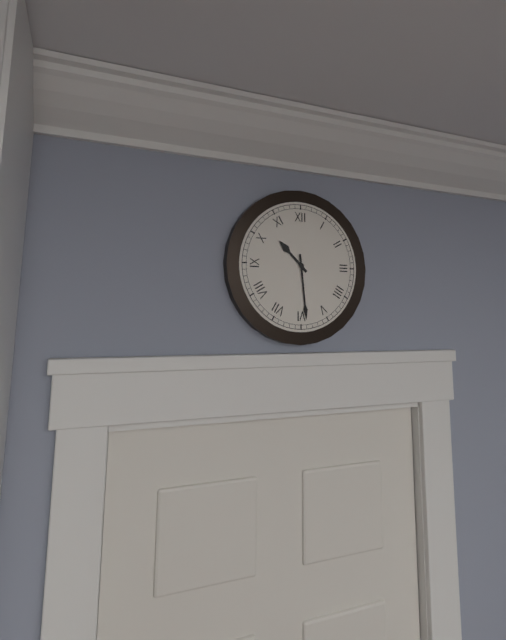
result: h=10 m=29
